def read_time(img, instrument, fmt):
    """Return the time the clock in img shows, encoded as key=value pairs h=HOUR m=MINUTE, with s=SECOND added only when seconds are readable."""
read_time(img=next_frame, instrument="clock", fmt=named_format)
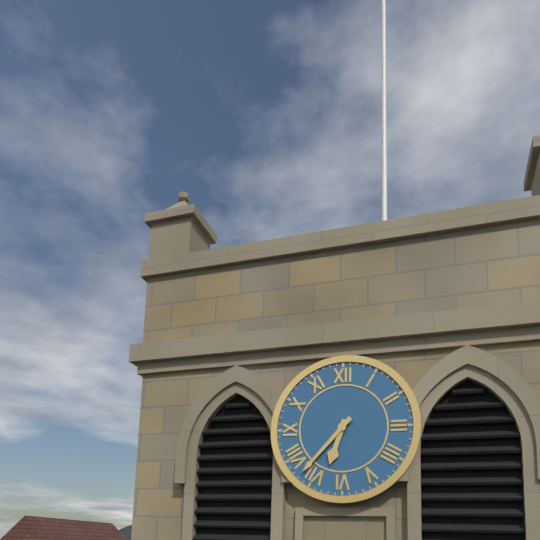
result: h=6 m=37
